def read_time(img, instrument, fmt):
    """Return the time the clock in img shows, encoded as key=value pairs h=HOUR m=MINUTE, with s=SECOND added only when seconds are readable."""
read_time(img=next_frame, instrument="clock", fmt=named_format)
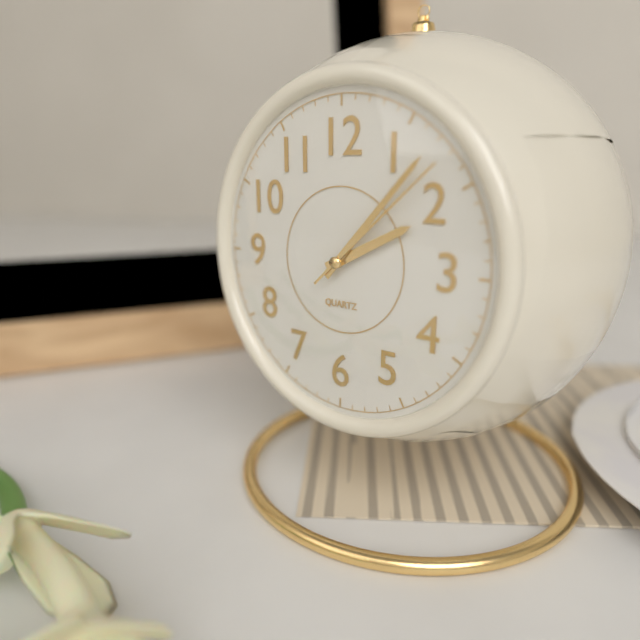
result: h=2 m=7 s=8
